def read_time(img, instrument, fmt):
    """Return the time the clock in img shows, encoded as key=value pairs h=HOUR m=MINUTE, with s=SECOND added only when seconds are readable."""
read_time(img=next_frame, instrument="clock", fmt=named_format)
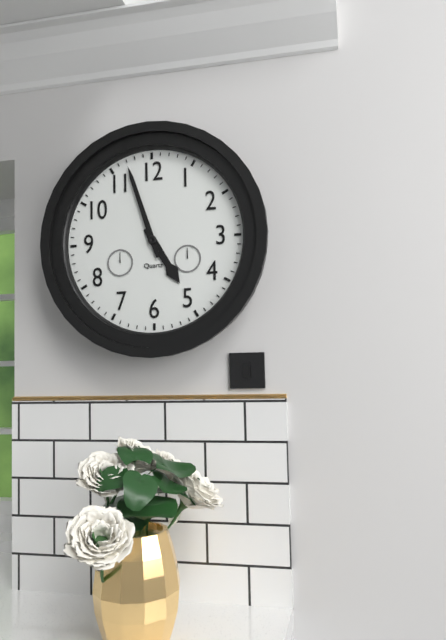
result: h=4 m=57
